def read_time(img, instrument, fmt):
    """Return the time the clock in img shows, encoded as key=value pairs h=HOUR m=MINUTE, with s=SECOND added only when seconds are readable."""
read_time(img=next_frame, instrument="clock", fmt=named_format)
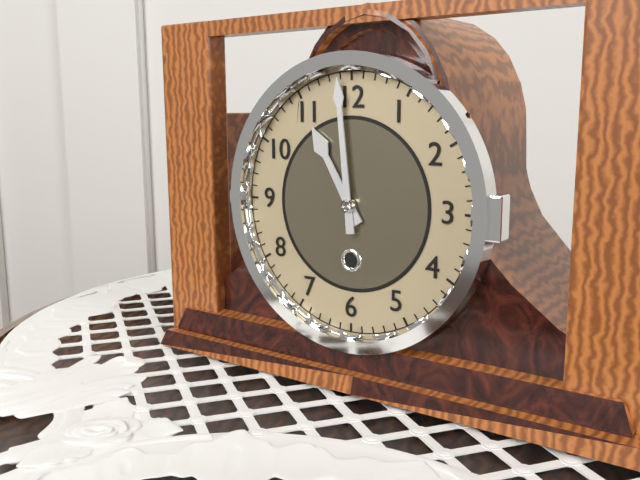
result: h=10 m=59
